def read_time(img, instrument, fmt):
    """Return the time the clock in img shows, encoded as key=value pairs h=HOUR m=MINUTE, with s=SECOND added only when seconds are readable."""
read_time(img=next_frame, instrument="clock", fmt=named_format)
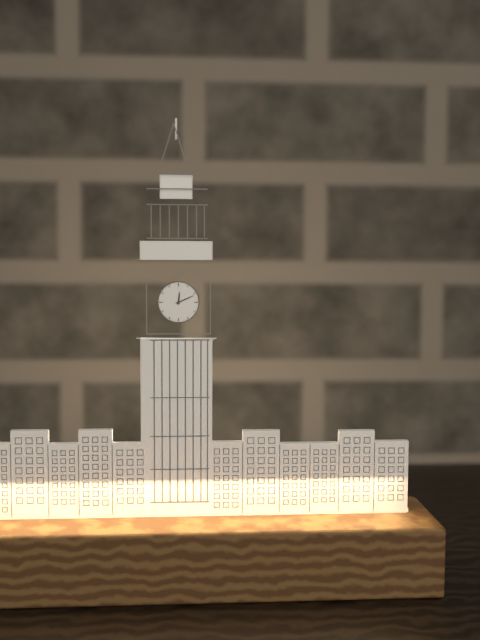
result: h=12 m=11
